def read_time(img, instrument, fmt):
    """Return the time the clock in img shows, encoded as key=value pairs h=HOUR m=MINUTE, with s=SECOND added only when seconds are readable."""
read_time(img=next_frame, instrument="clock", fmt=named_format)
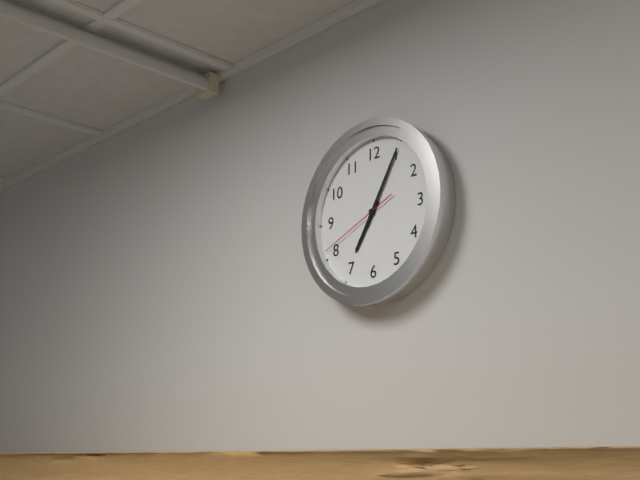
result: h=7 m=5 s=41
